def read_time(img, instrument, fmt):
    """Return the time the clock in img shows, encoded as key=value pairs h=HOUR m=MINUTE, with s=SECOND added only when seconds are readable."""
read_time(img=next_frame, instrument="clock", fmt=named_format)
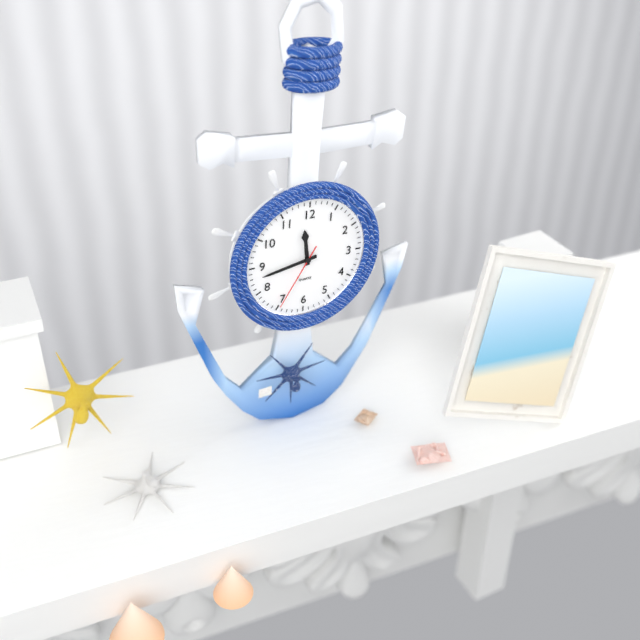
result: h=11 m=43 s=35
